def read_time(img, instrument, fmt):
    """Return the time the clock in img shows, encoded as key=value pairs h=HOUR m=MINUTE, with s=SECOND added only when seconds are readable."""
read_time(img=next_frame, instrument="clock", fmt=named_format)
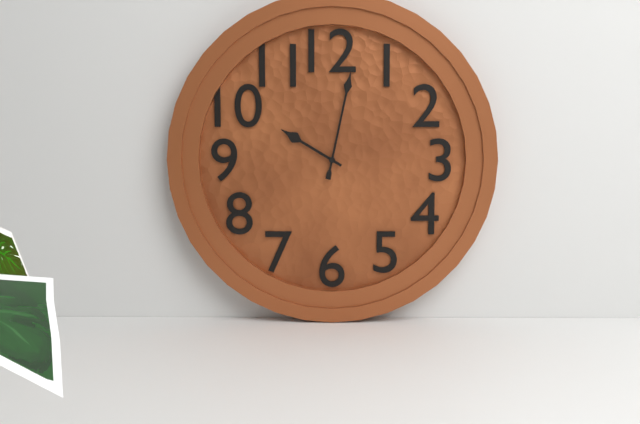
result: h=10 m=2
